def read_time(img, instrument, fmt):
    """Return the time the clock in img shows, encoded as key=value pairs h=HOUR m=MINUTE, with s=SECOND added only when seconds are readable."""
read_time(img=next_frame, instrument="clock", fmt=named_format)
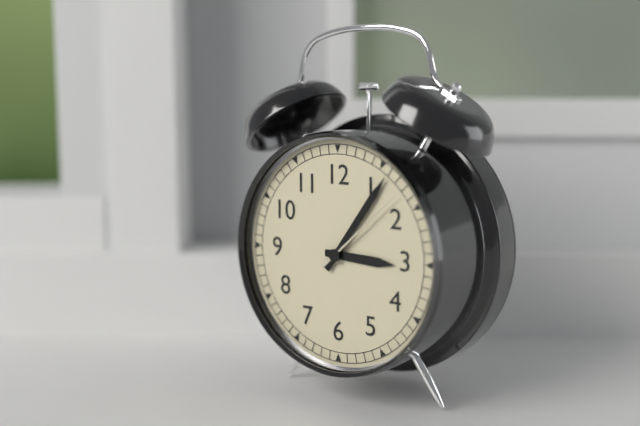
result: h=3 m=6 s=8
